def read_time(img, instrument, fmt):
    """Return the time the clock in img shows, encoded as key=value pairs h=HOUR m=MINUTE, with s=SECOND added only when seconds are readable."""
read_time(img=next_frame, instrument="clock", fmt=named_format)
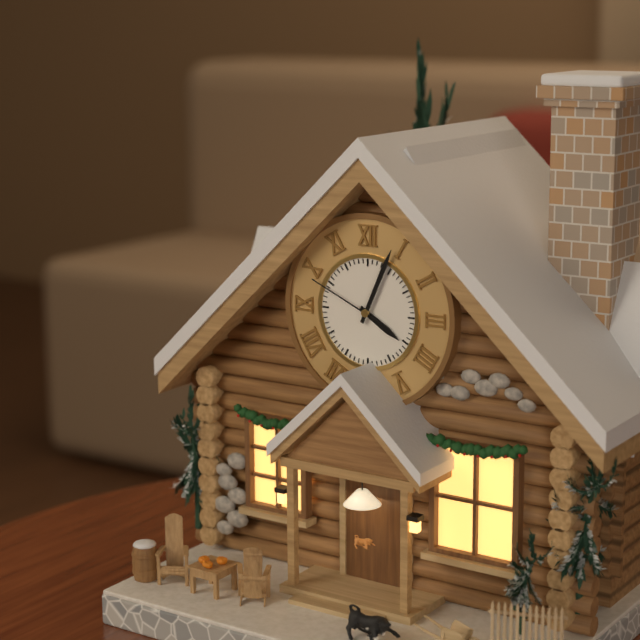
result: h=4 m=4 s=49
